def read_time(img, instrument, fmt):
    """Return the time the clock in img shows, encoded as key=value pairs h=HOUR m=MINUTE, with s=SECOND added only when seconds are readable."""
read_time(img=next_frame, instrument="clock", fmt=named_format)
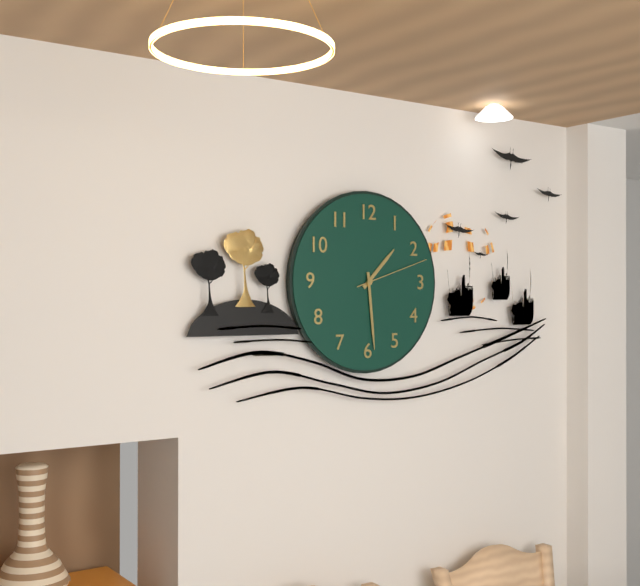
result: h=1 m=29 s=12
